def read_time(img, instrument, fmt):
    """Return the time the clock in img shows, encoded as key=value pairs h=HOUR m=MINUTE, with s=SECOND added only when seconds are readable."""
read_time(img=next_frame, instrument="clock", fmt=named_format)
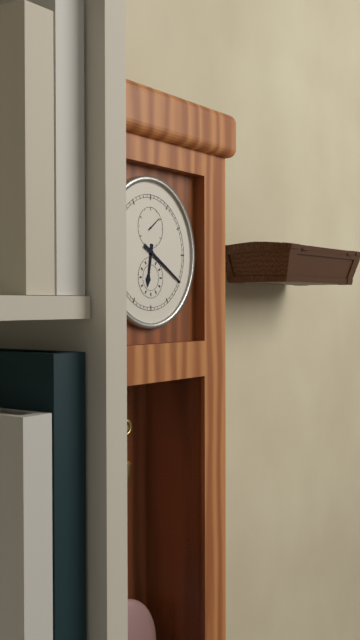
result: h=6 m=20
